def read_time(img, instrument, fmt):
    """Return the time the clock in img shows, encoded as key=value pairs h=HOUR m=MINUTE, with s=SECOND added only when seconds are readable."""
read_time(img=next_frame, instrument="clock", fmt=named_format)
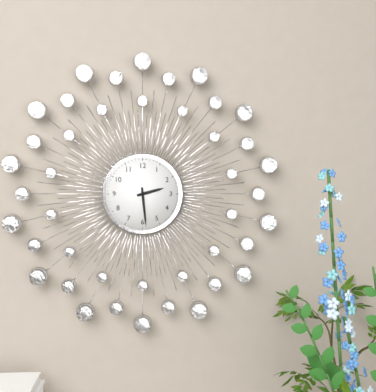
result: h=2 m=29
